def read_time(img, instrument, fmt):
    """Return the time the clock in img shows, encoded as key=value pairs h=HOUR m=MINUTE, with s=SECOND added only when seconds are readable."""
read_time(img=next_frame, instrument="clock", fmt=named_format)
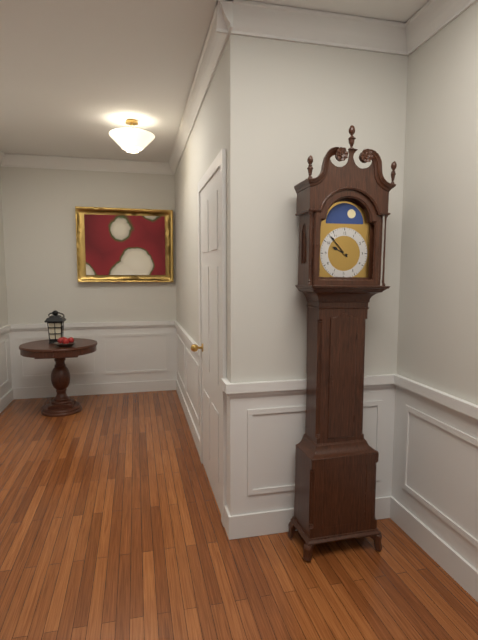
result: h=9 m=53
